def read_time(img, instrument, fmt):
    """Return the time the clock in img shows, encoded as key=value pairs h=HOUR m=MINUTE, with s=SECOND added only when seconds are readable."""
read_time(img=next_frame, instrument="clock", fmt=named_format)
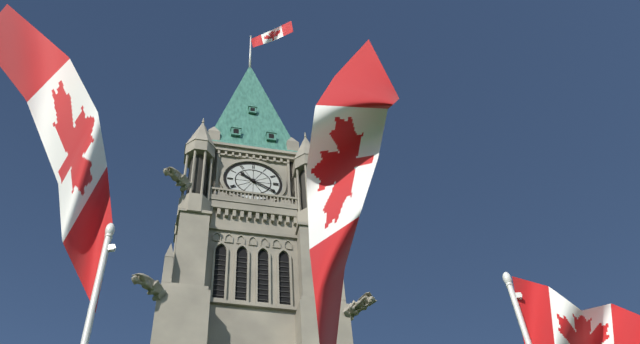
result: h=10 m=20
